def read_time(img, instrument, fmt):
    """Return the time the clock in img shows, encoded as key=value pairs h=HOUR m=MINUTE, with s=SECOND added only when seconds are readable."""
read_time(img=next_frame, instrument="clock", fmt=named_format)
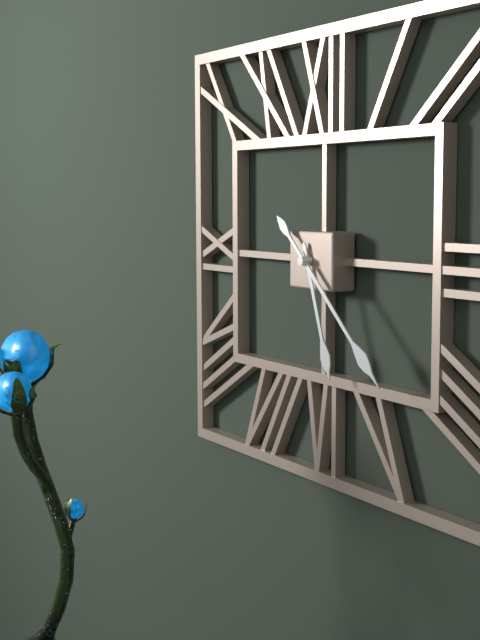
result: h=5 m=22
